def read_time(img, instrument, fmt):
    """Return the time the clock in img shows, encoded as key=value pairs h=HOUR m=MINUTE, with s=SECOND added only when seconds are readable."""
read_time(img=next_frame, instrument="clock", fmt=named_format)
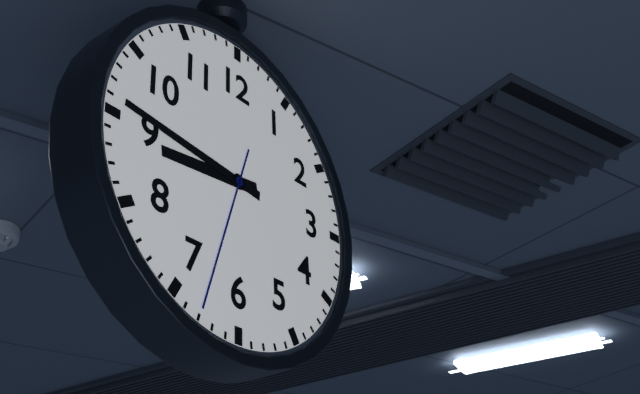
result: h=8 m=46 s=33
